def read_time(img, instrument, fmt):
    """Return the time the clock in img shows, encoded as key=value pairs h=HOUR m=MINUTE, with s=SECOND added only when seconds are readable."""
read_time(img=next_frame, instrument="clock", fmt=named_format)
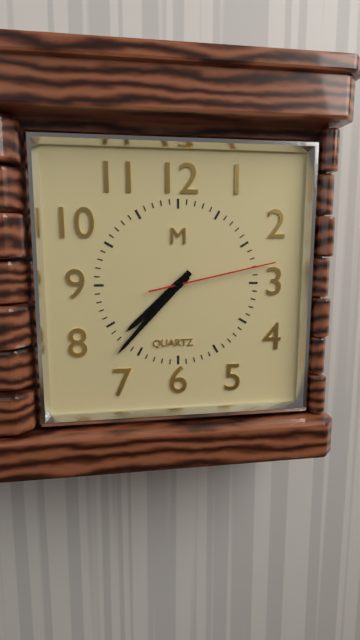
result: h=7 m=37 s=13
